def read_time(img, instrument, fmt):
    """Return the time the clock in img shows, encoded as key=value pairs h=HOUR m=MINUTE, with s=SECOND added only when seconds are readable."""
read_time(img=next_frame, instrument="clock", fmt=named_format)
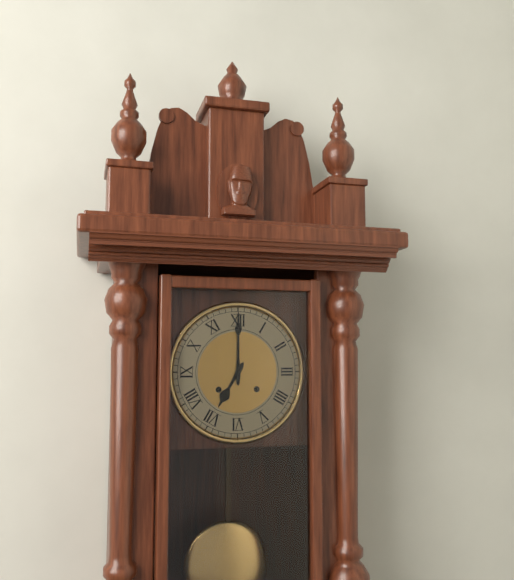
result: h=7 m=0
